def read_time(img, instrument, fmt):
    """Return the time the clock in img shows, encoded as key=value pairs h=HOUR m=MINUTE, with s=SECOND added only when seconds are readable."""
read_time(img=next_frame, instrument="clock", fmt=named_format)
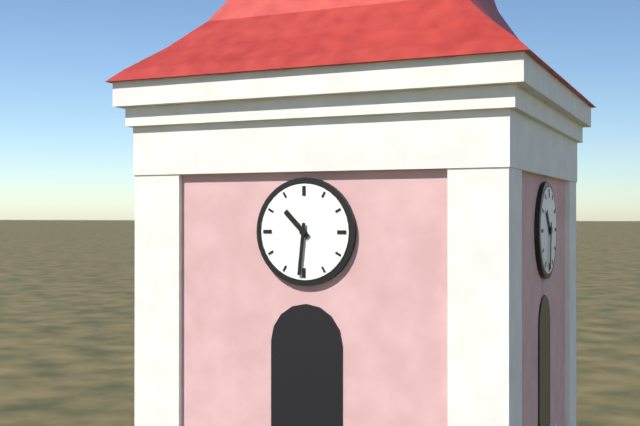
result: h=10 m=31
